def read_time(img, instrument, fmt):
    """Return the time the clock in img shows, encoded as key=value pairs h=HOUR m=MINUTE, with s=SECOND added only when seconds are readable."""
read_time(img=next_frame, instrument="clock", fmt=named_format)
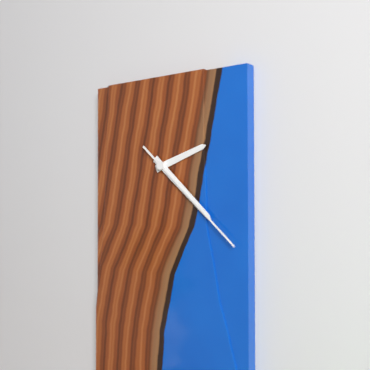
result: h=2 m=22 s=22
